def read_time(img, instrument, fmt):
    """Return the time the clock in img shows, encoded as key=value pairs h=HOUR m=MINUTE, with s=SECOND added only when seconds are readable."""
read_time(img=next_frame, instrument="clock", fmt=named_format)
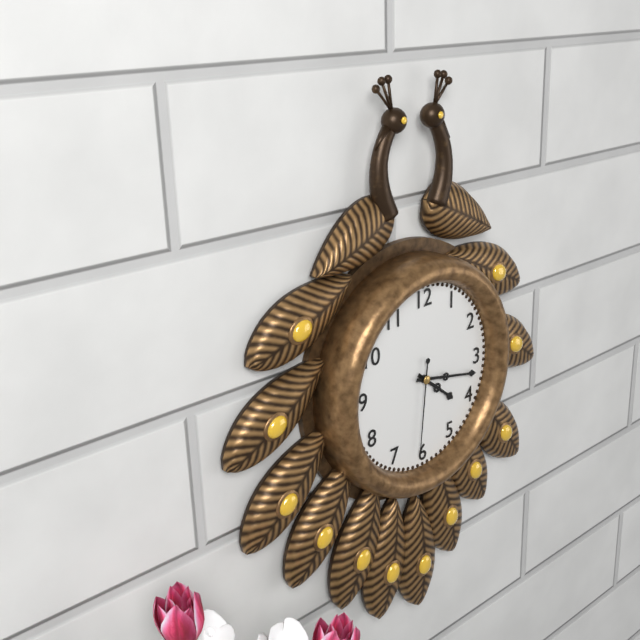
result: h=4 m=17 s=31
